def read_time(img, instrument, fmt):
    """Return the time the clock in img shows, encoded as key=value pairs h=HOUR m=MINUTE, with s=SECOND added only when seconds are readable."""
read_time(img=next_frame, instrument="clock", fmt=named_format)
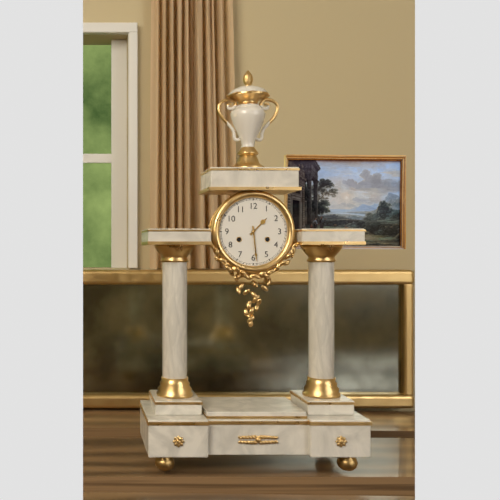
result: h=1 m=29
